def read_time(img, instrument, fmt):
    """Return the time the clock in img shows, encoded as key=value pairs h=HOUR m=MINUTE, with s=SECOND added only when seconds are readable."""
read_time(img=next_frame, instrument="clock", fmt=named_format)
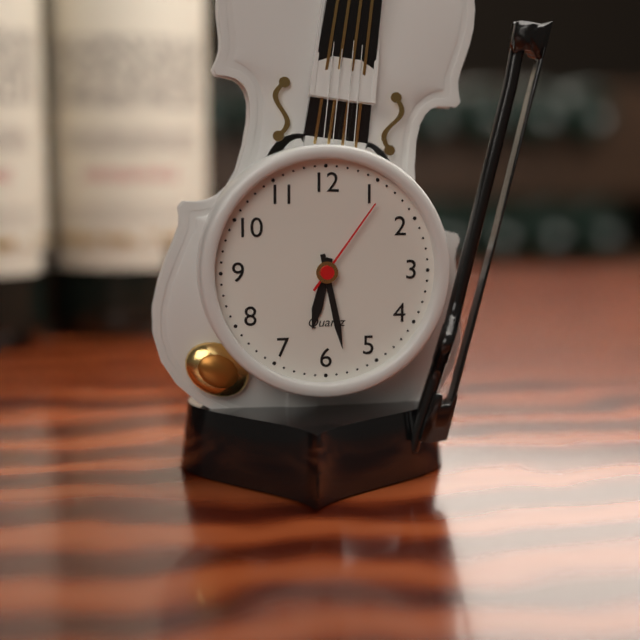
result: h=6 m=28 s=6
